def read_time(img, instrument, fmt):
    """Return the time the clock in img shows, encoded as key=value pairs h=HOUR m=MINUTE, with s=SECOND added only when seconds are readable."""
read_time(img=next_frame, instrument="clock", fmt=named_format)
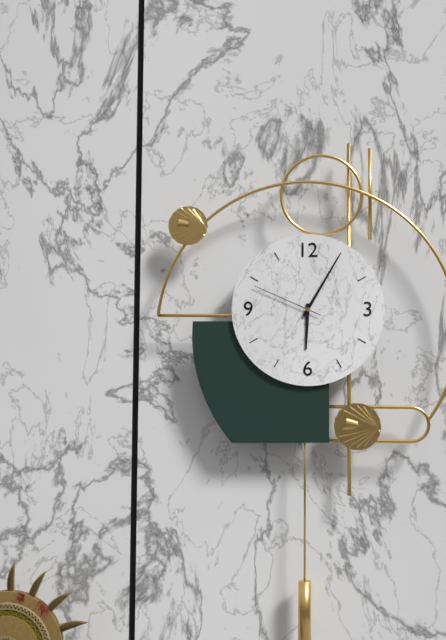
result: h=6 m=5 s=49
